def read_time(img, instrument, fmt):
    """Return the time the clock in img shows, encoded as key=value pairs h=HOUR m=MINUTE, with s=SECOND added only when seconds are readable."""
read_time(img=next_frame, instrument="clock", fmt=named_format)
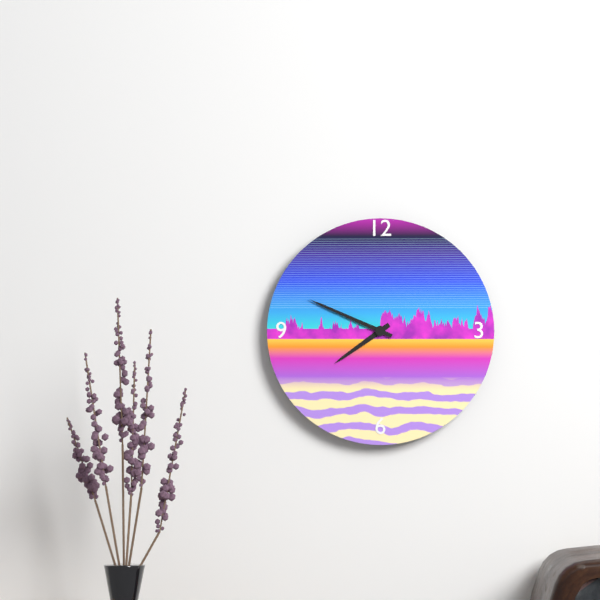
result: h=7 m=49
